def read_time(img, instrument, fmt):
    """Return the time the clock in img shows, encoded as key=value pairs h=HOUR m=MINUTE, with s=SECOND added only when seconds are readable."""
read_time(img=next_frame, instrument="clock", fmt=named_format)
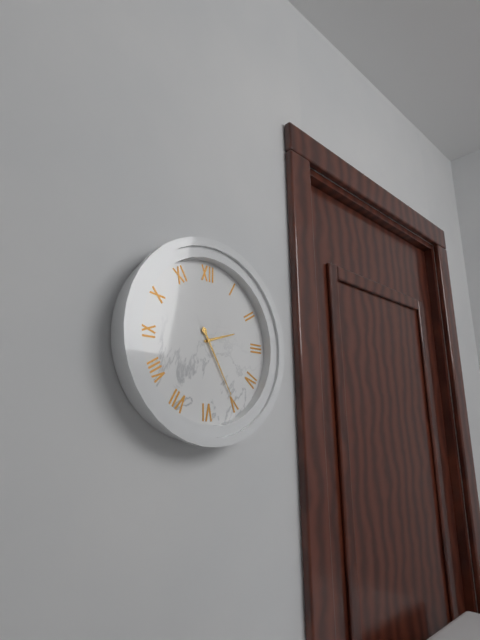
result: h=2 m=25
